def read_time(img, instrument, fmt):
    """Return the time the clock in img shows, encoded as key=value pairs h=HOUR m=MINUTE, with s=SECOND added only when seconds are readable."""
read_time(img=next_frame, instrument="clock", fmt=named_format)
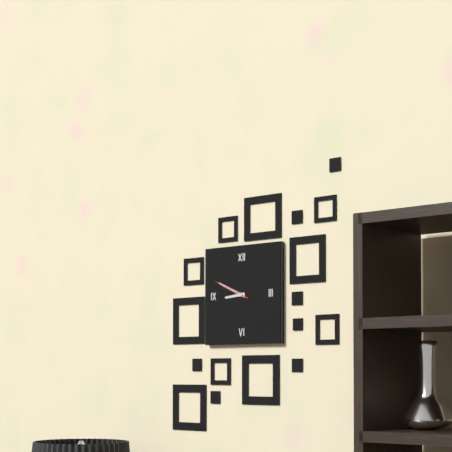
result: h=8 m=49
